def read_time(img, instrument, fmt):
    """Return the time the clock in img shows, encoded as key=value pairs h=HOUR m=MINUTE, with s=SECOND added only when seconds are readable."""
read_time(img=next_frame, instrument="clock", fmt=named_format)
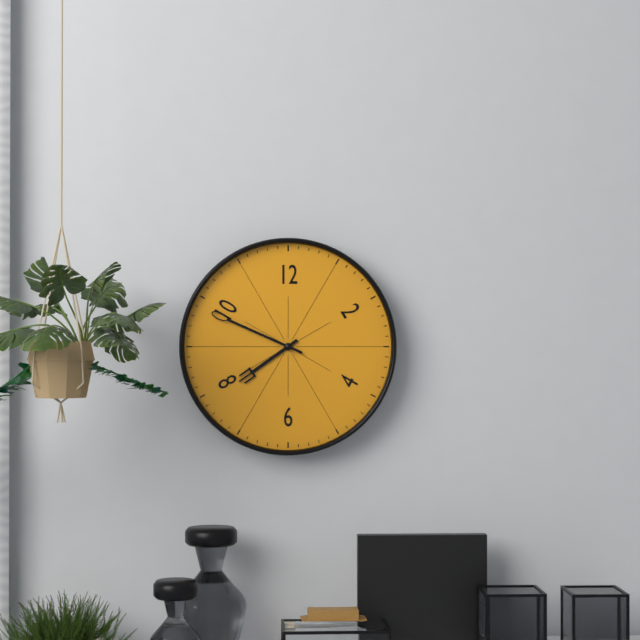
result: h=7 m=49
